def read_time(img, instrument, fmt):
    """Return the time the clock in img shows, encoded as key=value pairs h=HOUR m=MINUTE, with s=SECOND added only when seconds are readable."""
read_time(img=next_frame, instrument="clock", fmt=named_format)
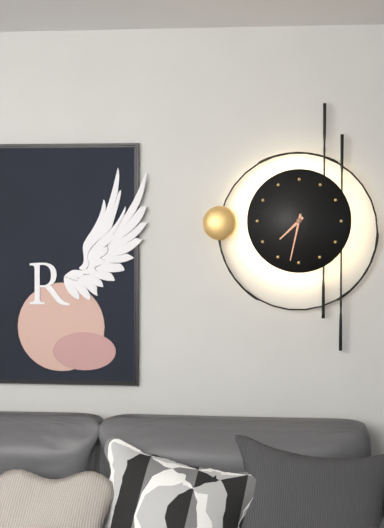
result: h=7 m=32
